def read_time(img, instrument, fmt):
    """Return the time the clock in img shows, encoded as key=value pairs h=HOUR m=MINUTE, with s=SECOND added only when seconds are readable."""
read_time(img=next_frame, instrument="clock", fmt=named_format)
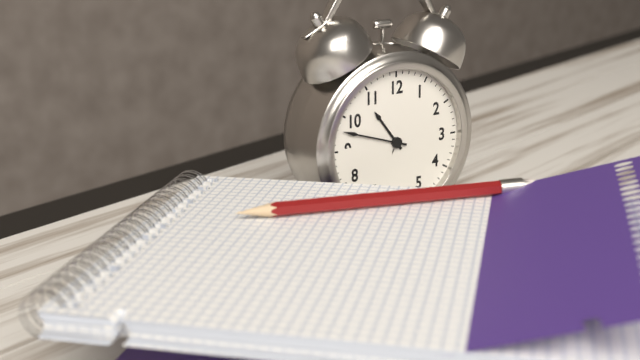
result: h=10 m=48
